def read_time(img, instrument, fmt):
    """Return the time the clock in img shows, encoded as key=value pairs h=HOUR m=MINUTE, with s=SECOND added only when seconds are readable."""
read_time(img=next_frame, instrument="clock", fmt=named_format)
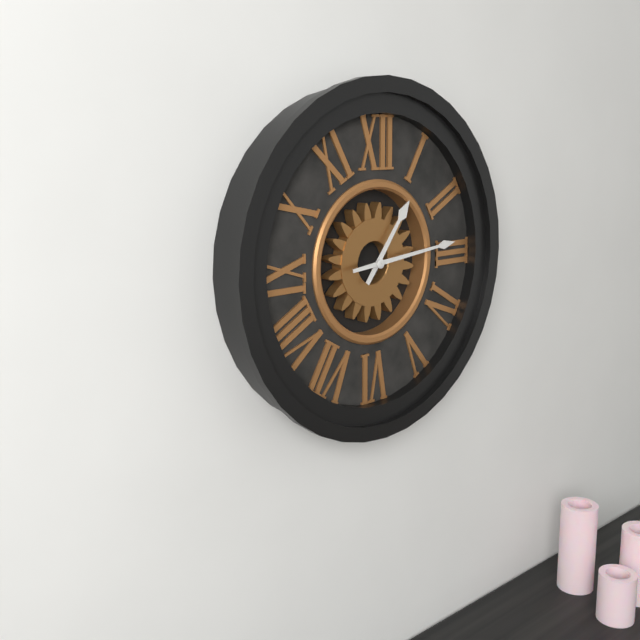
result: h=1 m=14
